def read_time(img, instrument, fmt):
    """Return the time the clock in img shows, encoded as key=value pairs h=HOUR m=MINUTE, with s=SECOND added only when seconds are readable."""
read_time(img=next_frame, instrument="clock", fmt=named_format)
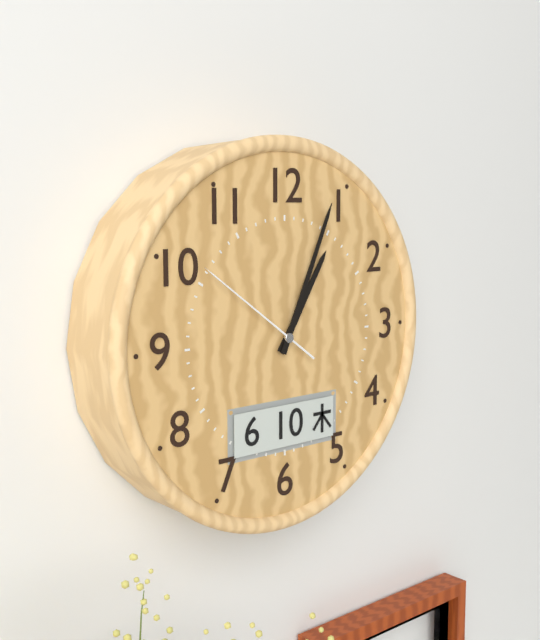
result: h=1 m=4 s=51
